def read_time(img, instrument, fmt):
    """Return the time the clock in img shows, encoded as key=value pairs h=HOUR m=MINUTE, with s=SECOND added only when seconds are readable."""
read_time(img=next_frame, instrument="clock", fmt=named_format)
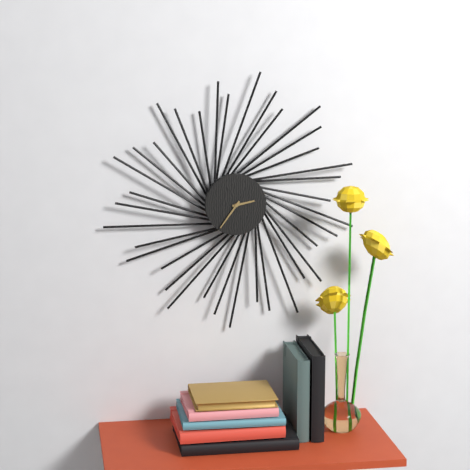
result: h=2 m=36
